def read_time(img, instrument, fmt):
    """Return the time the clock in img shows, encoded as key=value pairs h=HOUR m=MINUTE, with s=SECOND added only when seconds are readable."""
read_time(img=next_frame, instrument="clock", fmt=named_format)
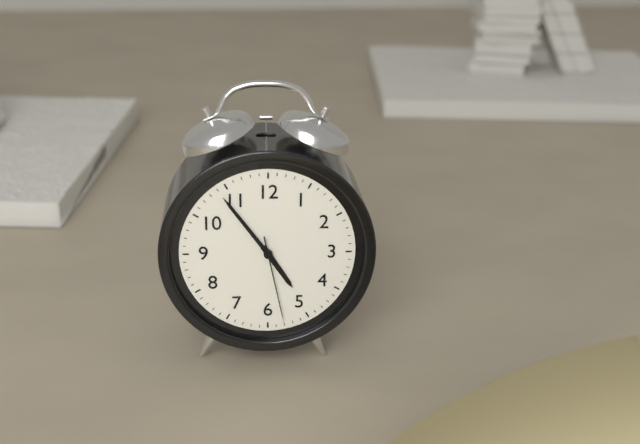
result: h=4 m=54 s=28
